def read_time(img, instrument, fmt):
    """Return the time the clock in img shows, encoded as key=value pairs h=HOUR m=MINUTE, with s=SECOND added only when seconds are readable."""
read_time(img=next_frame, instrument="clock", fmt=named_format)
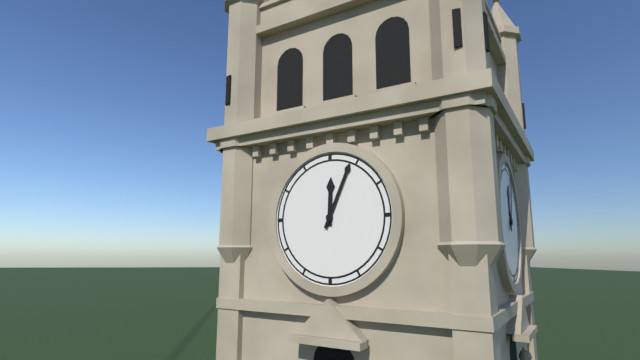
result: h=12 m=4
